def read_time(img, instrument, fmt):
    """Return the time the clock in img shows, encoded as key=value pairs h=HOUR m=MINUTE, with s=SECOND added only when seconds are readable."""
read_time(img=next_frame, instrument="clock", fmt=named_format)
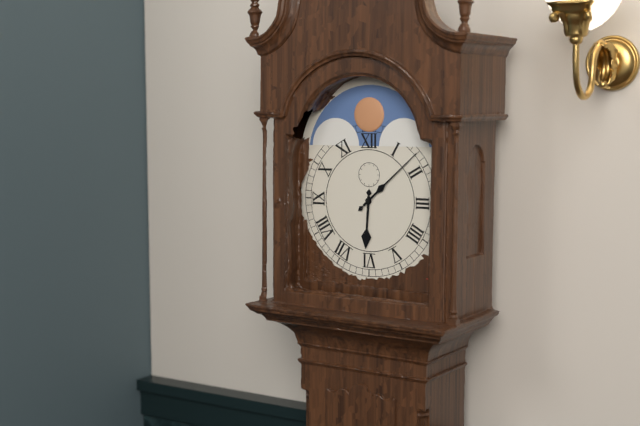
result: h=6 m=8
